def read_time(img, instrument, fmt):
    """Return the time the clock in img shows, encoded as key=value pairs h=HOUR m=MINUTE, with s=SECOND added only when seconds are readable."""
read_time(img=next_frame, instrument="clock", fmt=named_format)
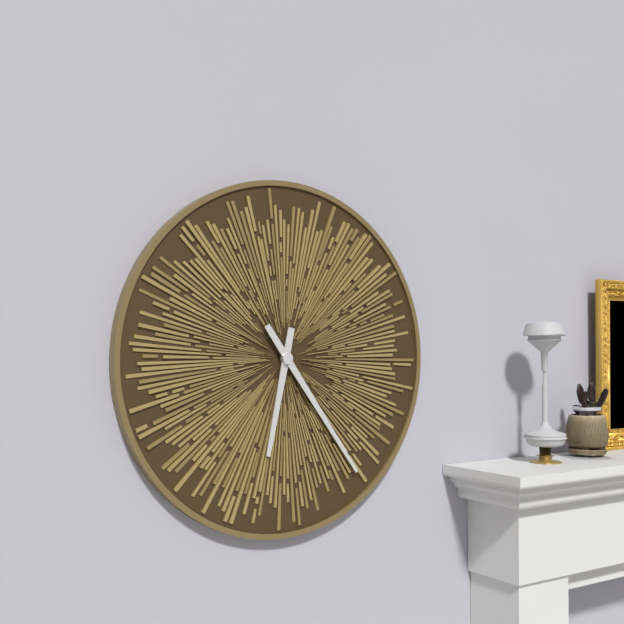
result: h=6 m=24
